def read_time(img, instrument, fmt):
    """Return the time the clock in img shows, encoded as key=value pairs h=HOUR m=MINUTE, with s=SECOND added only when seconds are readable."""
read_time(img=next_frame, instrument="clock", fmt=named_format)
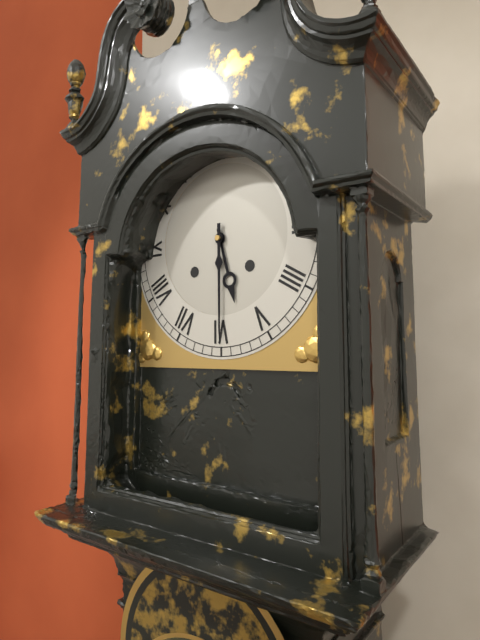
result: h=5 m=30
